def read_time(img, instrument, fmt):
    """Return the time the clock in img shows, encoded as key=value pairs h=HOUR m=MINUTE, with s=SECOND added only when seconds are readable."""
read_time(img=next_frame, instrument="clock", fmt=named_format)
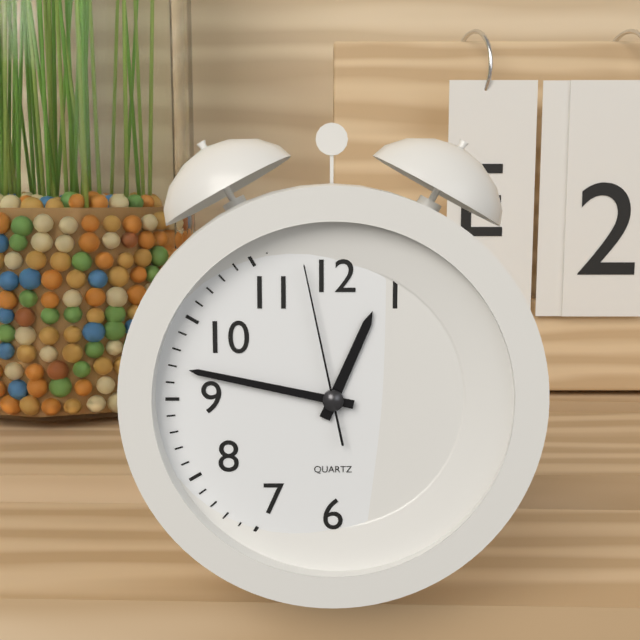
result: h=12 m=47 s=58
